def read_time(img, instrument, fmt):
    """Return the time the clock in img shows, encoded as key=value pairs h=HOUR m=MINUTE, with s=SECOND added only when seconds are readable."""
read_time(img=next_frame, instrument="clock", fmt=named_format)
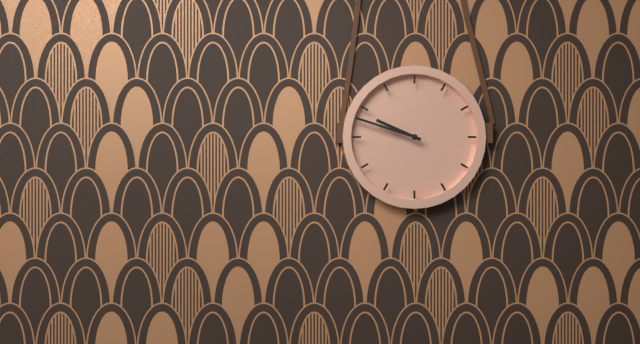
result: h=9 m=48
